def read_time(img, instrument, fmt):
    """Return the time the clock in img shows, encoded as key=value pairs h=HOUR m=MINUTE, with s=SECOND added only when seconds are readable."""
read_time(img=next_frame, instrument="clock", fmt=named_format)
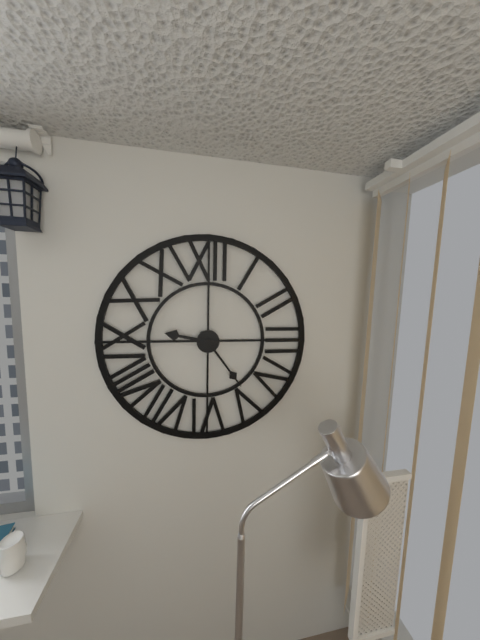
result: h=9 m=24
